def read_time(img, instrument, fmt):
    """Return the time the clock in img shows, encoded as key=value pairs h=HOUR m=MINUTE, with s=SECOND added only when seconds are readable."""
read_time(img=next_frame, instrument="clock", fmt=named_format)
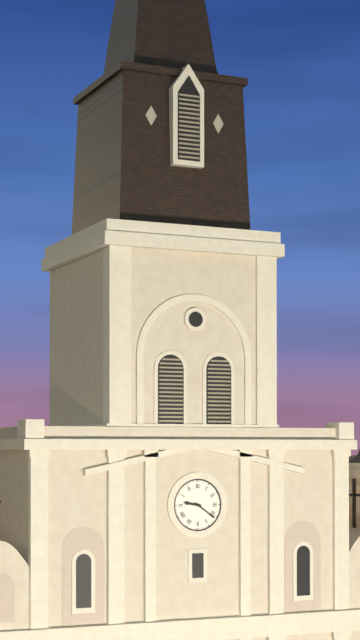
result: h=9 m=21
